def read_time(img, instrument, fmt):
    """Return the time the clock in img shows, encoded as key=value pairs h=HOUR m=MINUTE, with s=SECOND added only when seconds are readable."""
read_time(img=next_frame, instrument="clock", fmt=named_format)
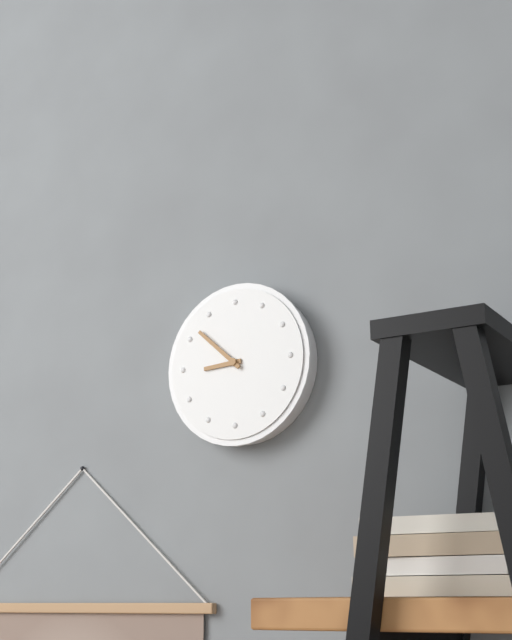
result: h=8 m=52
